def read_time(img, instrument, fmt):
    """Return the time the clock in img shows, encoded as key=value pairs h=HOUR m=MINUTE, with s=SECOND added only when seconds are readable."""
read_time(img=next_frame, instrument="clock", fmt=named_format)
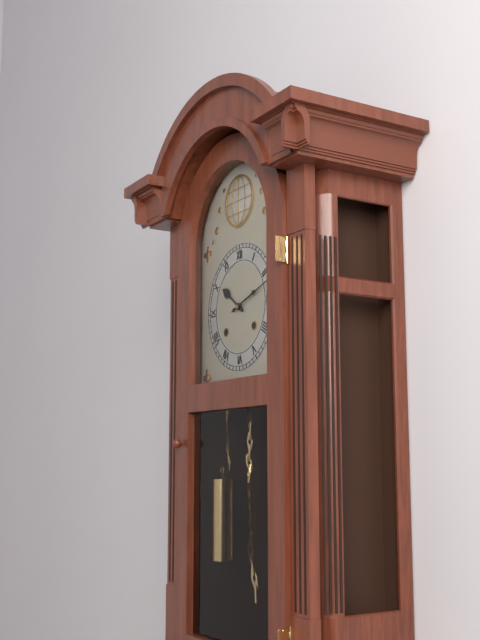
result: h=10 m=12
